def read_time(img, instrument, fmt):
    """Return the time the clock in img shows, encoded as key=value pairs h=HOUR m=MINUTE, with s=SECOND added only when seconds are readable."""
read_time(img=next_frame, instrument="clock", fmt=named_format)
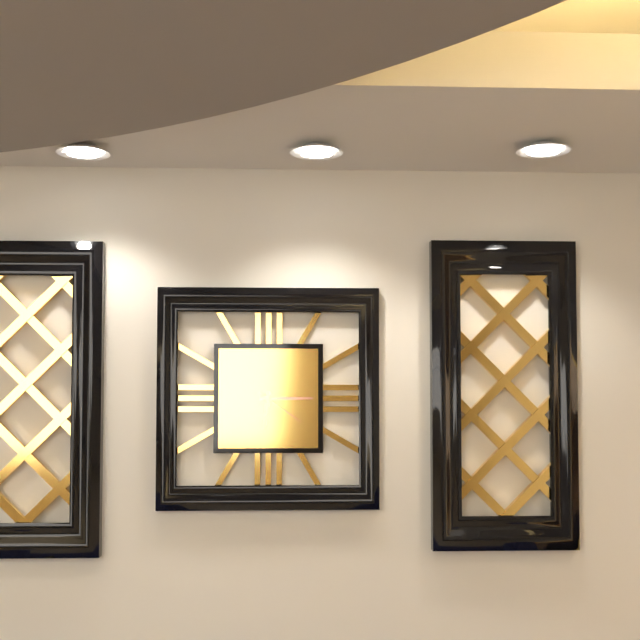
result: h=6 m=15 s=21
